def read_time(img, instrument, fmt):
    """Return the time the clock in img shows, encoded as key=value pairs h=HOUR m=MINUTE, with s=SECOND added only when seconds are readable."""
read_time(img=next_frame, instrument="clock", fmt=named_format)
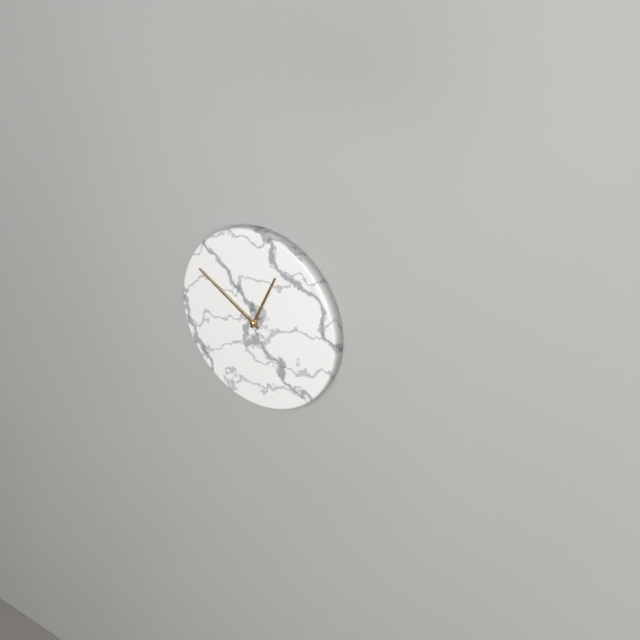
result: h=12 m=50
